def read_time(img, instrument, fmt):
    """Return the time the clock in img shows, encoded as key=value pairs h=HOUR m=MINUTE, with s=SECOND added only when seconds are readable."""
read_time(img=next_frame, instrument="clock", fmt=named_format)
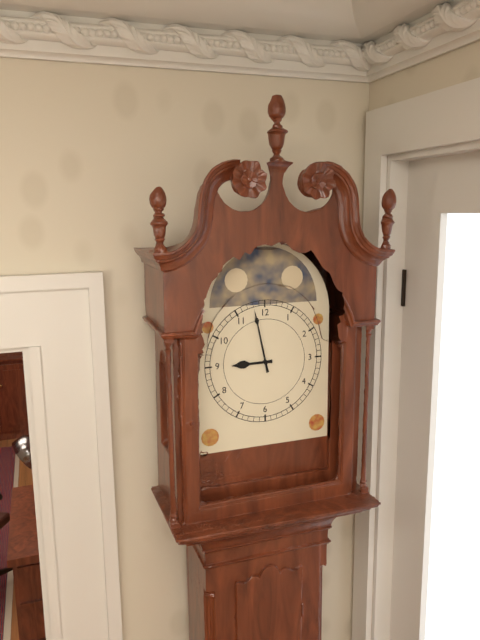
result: h=8 m=58
